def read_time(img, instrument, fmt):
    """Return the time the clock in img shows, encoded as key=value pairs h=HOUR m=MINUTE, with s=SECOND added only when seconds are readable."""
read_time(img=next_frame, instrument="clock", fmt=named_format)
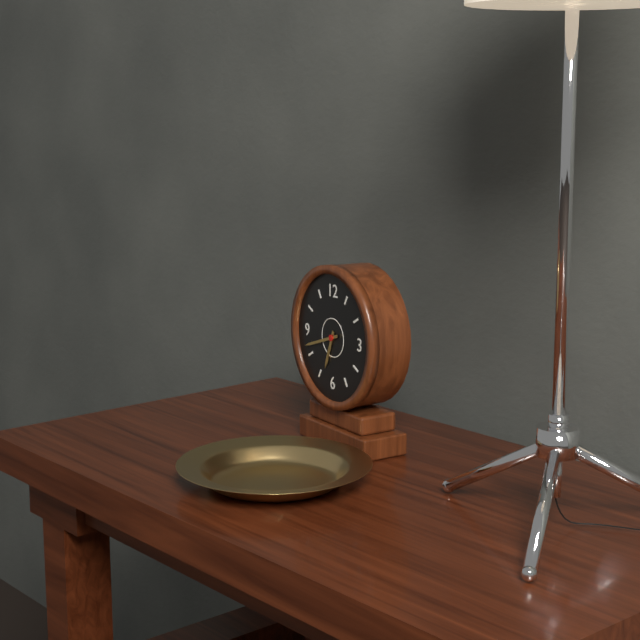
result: h=6 m=42
